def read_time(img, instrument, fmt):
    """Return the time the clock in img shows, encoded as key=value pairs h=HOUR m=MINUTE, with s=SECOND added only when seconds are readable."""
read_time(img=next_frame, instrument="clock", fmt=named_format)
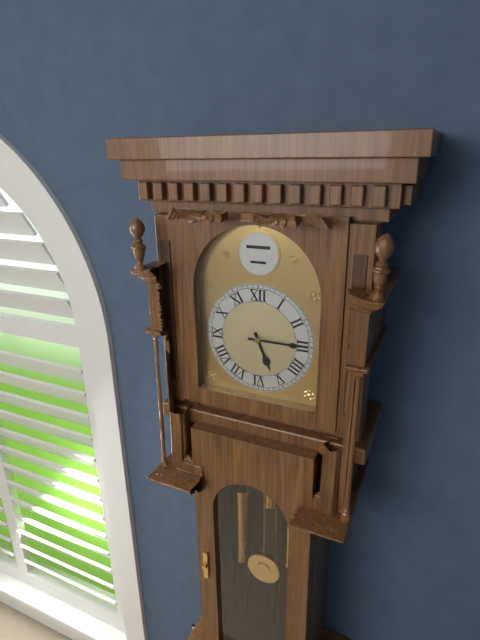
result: h=5 m=15
